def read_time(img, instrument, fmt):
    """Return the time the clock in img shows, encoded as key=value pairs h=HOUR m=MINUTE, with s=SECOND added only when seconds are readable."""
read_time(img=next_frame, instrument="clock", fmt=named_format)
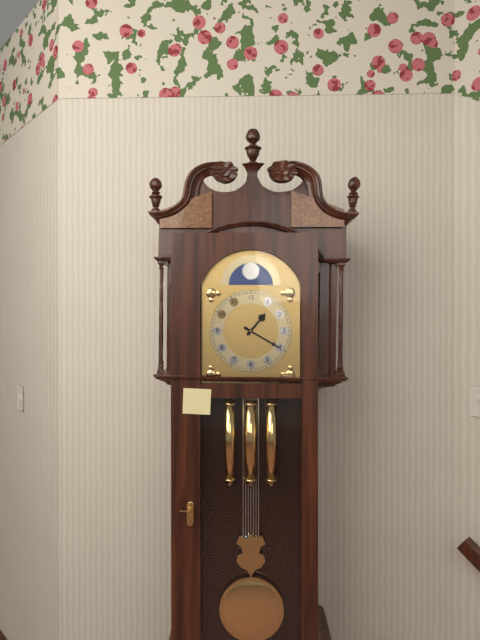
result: h=1 m=20
